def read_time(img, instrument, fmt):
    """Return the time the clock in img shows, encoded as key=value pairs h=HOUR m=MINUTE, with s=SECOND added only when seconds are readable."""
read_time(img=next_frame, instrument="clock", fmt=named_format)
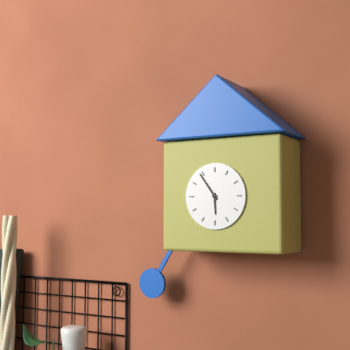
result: h=5 m=54
